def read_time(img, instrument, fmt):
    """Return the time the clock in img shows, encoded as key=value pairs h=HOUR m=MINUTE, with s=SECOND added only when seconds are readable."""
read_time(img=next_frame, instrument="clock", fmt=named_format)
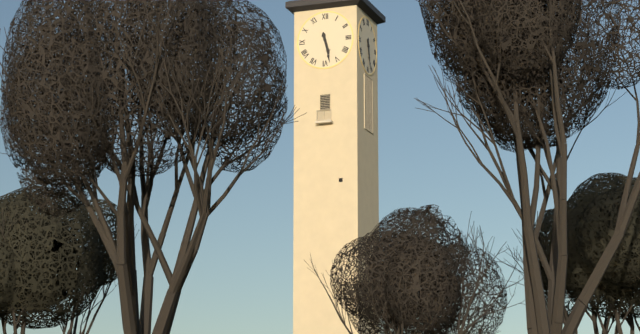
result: h=5 m=28
